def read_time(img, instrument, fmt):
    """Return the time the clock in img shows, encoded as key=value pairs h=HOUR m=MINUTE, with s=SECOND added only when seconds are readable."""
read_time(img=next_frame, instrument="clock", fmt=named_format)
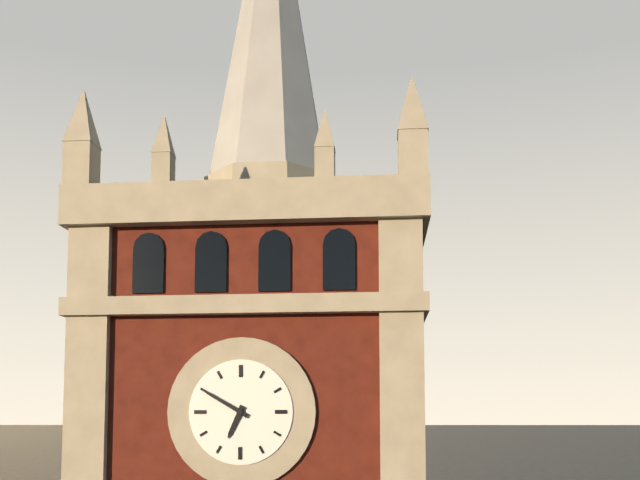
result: h=6 m=50
